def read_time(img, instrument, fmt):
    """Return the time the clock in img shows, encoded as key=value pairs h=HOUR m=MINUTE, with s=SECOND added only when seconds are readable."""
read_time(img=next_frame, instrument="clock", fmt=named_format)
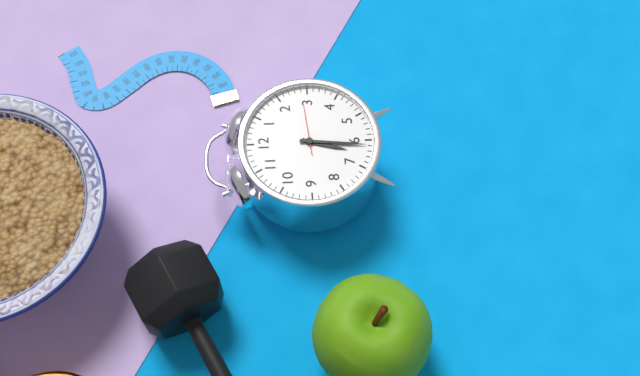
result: h=6 m=31
